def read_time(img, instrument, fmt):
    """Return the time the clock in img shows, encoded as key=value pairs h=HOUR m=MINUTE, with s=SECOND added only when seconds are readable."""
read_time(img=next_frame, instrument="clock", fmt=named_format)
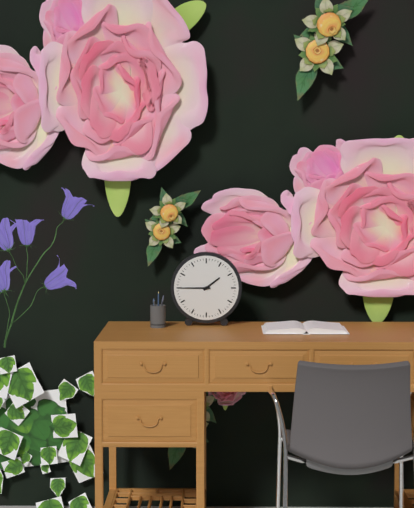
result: h=1 m=45
